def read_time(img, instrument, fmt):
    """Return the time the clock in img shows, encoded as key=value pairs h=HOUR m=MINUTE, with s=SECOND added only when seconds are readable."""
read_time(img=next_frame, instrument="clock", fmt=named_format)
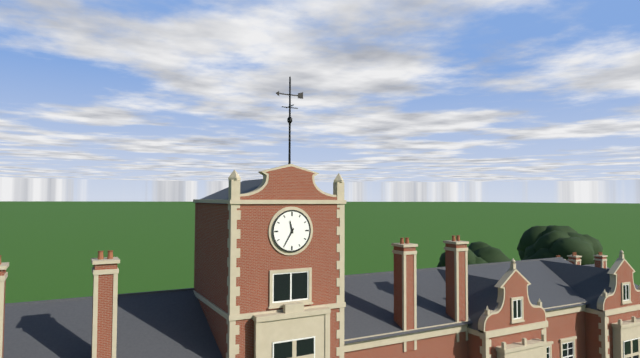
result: h=11 m=35
